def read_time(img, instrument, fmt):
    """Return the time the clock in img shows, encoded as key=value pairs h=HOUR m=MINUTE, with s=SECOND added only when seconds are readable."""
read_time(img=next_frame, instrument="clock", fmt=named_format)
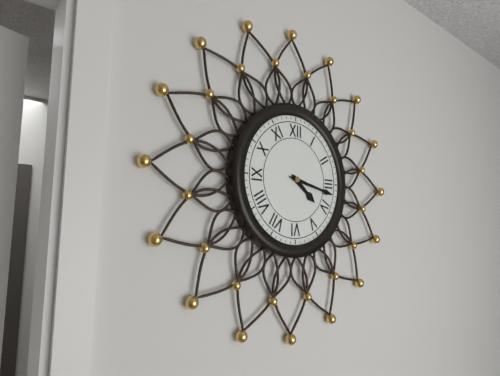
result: h=4 m=17
